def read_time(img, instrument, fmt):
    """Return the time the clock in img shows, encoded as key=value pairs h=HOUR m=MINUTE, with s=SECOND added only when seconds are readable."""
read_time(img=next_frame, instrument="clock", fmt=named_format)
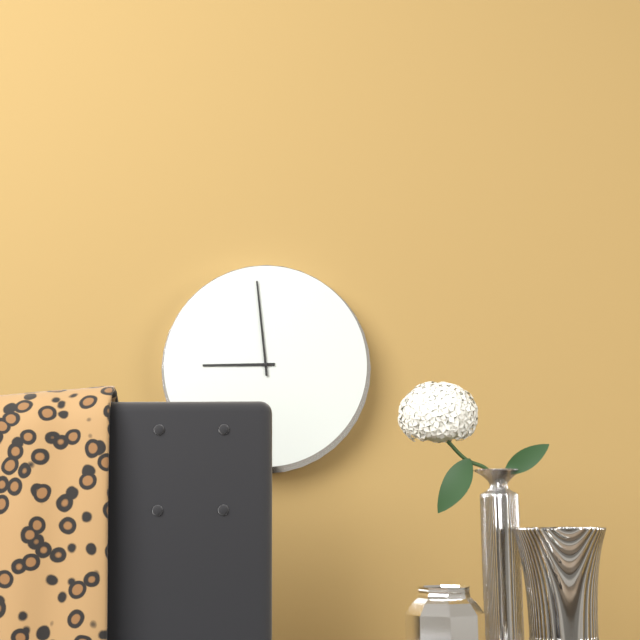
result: h=8 m=59
